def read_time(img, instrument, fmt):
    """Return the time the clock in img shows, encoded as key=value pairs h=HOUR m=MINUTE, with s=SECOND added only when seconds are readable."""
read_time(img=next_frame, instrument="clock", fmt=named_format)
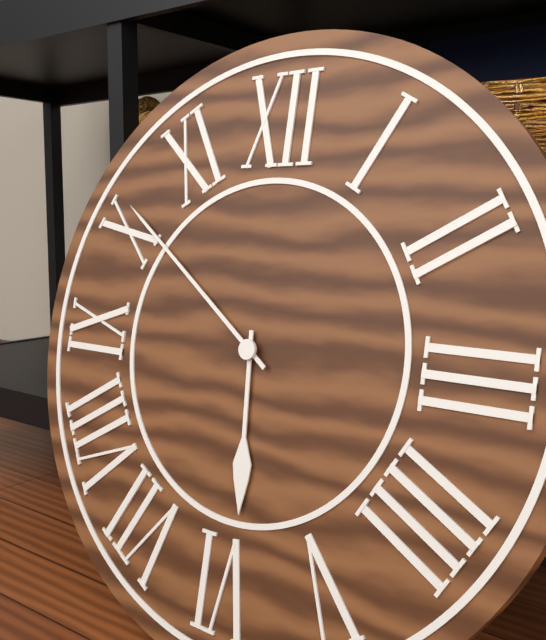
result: h=5 m=51
